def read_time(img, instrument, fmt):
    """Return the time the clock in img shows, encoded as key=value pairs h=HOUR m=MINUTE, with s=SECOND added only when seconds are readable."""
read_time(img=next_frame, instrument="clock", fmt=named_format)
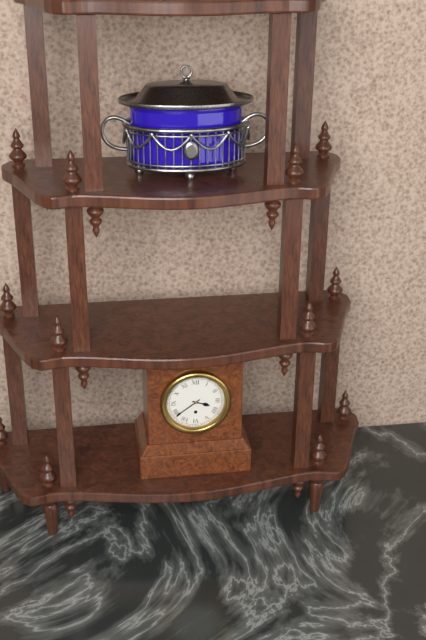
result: h=3 m=39
